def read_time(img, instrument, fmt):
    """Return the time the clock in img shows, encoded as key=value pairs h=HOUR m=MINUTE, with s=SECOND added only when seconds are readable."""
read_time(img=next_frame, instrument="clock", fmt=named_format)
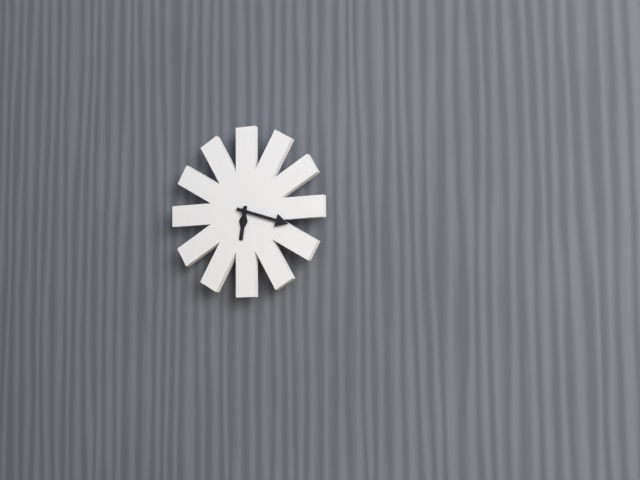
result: h=6 m=18
